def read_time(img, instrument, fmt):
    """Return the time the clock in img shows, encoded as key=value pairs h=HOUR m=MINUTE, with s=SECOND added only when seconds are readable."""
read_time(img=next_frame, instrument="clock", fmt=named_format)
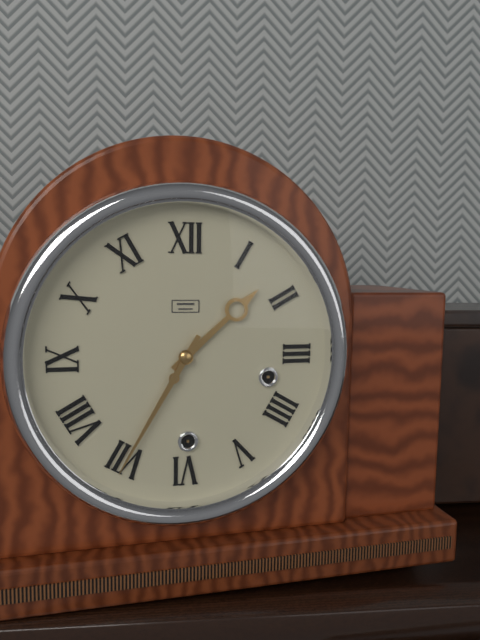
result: h=1 m=35
